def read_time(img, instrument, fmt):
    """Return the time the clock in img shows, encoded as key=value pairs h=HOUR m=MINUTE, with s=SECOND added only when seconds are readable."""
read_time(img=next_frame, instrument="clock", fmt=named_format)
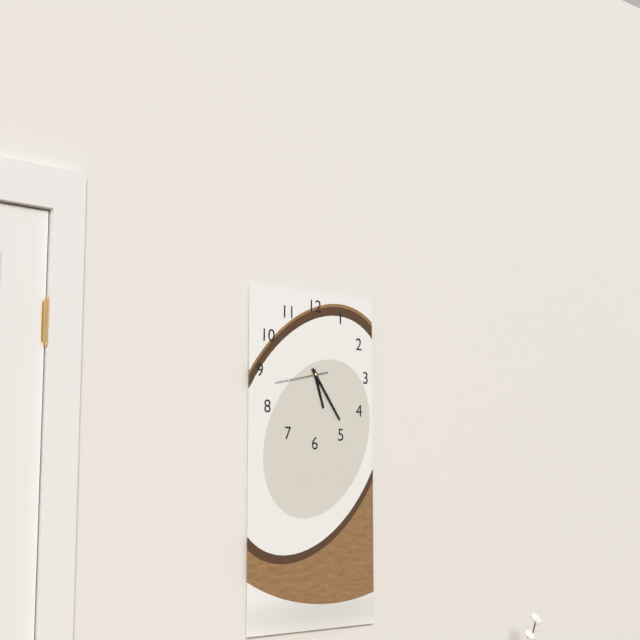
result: h=5 m=24 s=43
